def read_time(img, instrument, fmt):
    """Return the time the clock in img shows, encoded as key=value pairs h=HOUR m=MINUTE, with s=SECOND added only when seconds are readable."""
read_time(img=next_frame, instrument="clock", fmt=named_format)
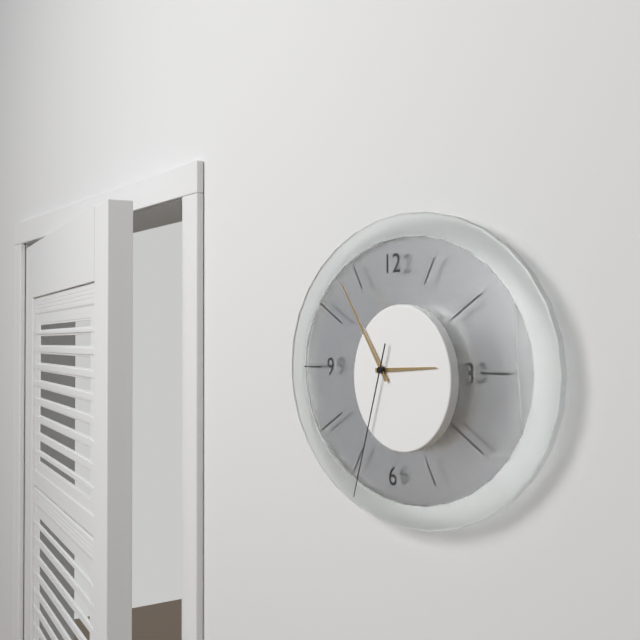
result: h=2 m=54 s=33
